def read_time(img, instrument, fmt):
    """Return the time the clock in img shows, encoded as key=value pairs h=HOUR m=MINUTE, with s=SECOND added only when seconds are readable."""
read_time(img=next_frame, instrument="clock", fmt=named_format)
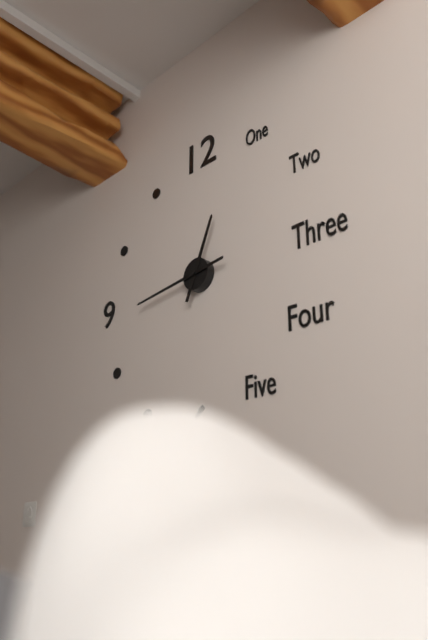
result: h=12 m=44
